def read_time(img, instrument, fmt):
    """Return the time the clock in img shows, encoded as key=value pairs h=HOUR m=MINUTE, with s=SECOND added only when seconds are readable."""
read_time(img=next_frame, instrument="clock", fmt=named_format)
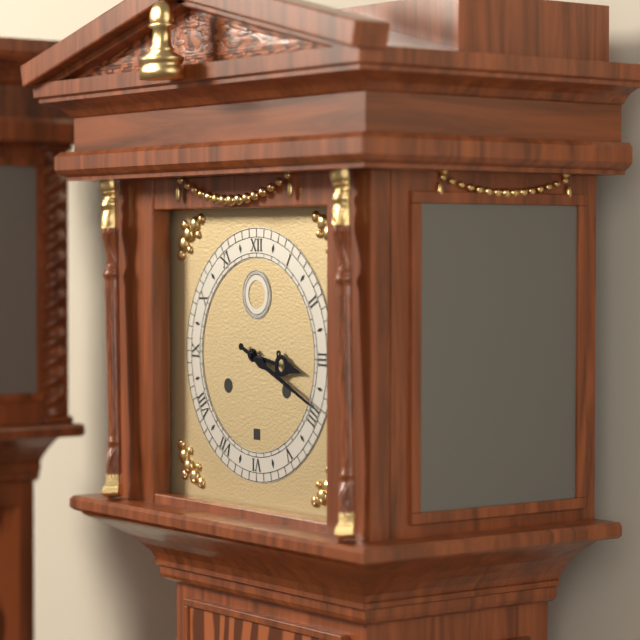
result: h=3 m=19
